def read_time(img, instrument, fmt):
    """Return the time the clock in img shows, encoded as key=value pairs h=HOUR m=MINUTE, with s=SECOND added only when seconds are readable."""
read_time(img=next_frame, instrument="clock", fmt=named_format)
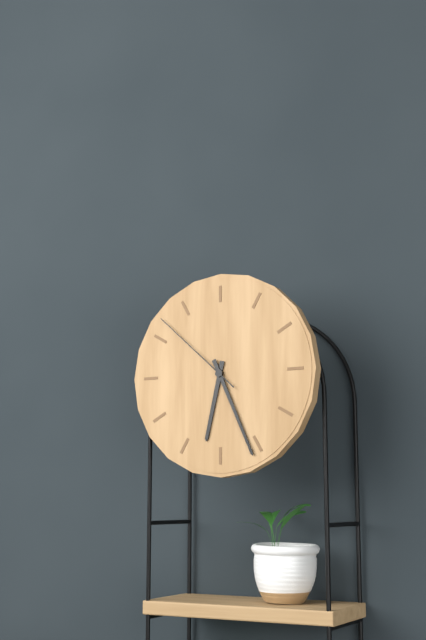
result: h=6 m=26 s=52
